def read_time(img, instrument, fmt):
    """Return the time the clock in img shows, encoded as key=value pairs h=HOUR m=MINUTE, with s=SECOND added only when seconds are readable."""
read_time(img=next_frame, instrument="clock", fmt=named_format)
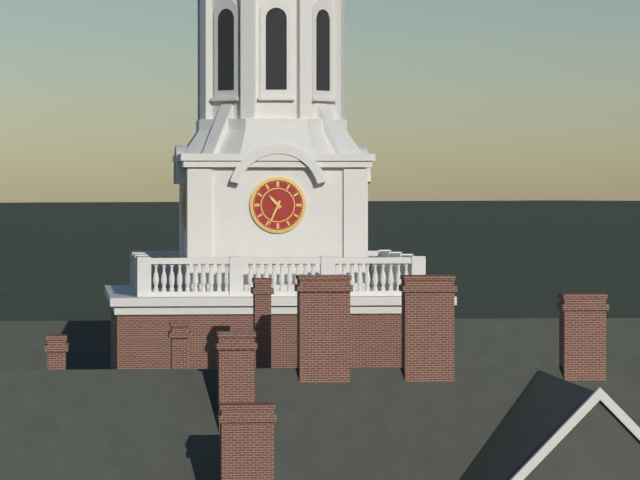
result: h=10 m=34
